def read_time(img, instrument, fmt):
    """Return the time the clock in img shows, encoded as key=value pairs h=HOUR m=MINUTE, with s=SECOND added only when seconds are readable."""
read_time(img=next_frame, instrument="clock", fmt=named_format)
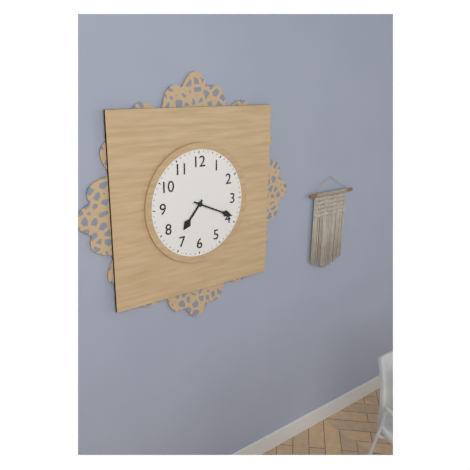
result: h=7 m=19
